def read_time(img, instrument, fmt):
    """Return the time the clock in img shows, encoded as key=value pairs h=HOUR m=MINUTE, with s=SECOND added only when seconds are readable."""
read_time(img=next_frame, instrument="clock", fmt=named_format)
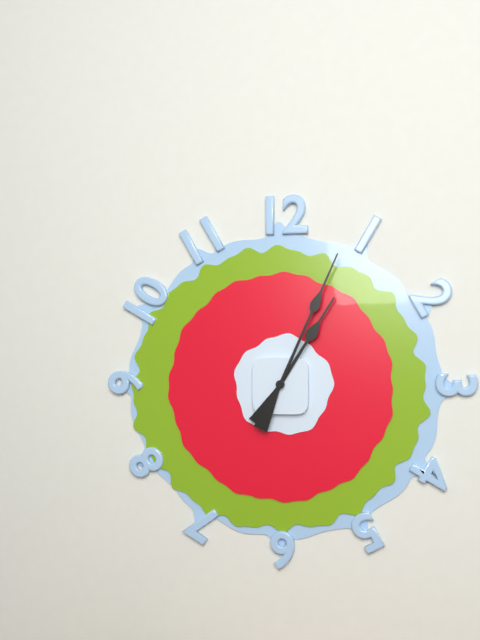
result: h=1 m=4
